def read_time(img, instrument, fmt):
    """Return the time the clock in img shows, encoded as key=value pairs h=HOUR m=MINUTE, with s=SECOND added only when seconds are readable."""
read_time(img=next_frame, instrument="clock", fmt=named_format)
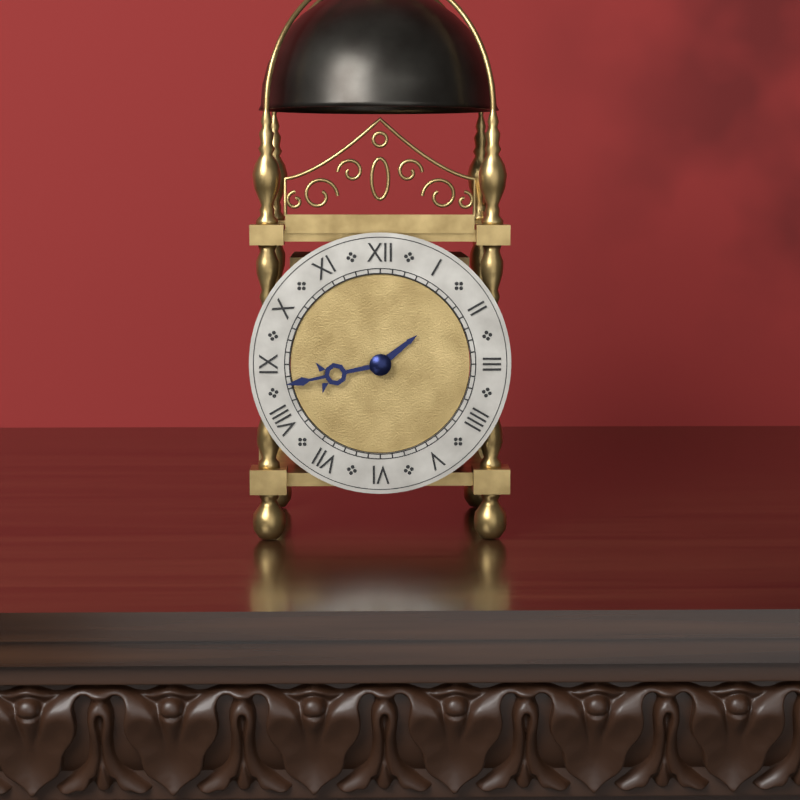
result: h=1 m=43
